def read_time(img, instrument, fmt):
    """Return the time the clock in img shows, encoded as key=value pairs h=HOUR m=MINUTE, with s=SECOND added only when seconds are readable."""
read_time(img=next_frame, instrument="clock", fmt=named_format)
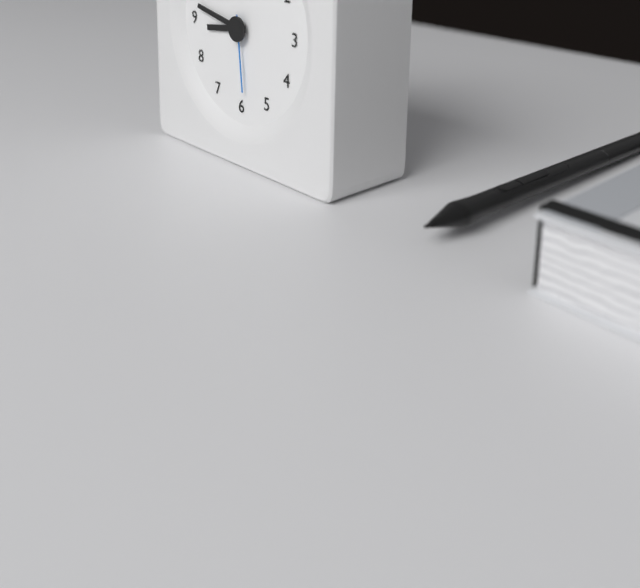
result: h=8 m=47 s=29
